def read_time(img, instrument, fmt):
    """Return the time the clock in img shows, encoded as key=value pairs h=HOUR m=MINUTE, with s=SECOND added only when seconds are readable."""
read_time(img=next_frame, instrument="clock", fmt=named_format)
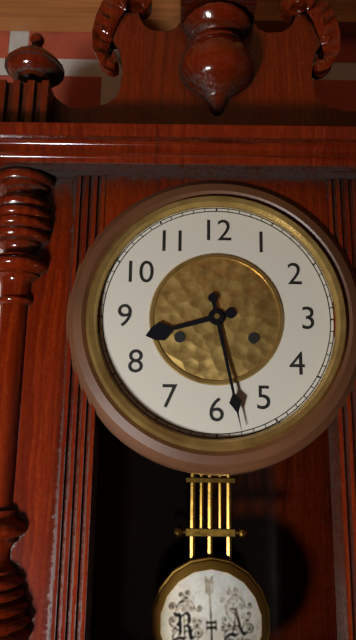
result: h=8 m=28
